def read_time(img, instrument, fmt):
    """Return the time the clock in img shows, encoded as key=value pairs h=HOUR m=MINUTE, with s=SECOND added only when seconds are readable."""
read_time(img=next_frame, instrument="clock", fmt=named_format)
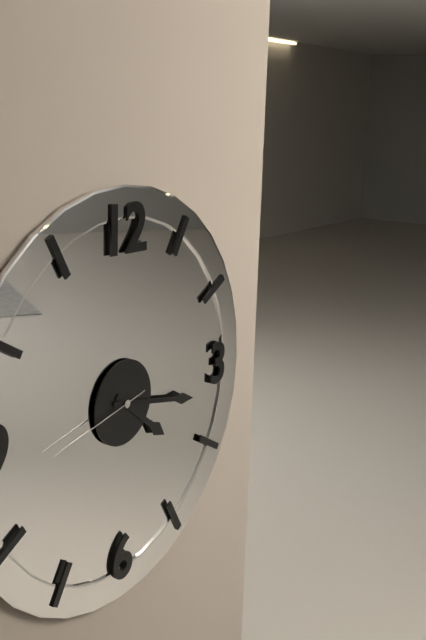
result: h=4 m=17 s=43
